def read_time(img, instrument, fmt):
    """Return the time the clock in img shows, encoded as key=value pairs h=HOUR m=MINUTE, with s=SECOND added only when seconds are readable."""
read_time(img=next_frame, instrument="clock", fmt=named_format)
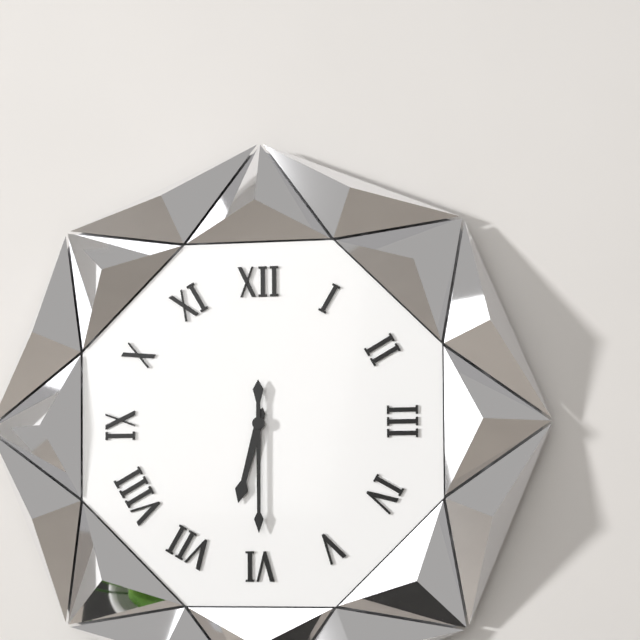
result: h=6 m=30
